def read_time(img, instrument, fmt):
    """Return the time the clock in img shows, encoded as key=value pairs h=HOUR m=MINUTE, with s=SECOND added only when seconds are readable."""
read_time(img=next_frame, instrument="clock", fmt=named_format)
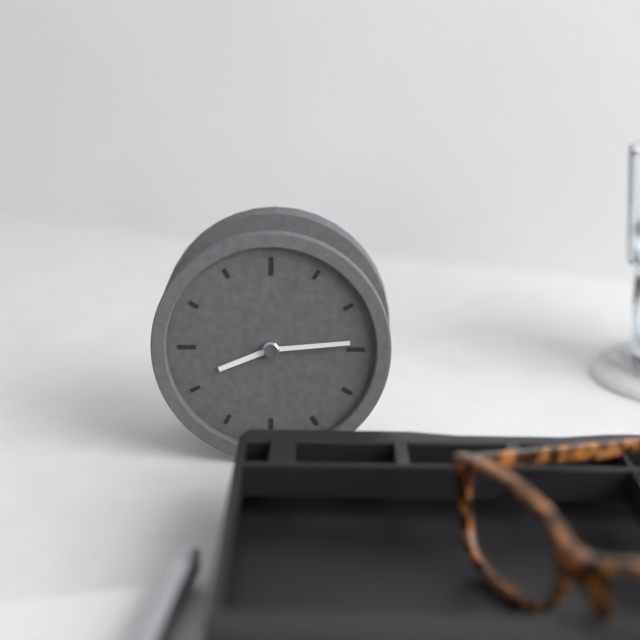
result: h=8 m=14
